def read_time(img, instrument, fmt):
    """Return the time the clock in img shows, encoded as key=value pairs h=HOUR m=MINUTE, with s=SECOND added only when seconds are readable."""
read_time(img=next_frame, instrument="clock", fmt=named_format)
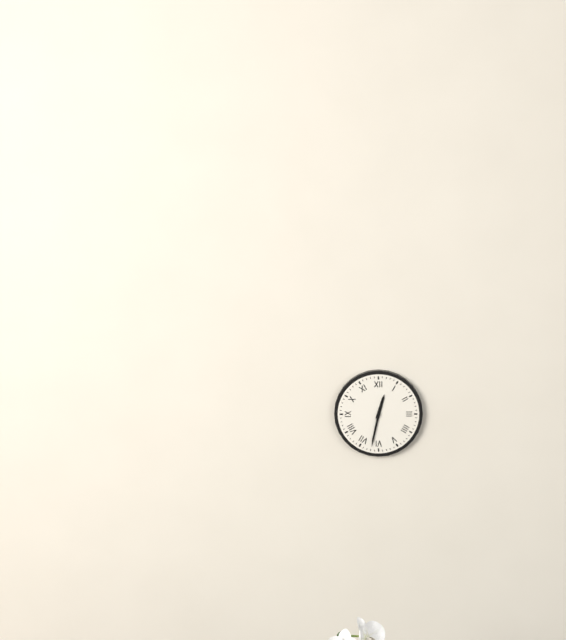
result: h=12 m=32
